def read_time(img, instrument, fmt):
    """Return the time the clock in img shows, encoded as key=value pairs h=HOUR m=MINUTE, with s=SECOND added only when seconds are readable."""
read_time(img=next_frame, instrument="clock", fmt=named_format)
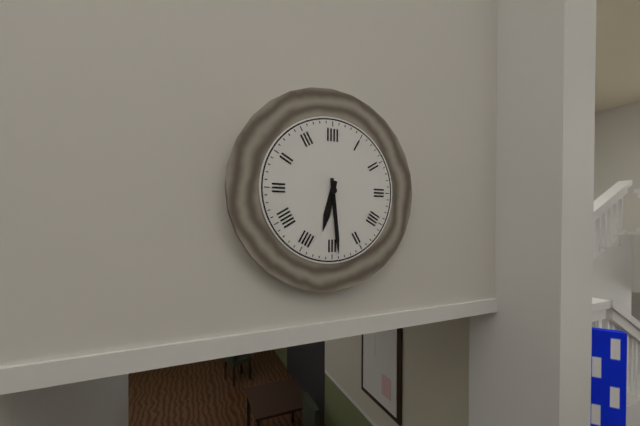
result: h=6 m=29
